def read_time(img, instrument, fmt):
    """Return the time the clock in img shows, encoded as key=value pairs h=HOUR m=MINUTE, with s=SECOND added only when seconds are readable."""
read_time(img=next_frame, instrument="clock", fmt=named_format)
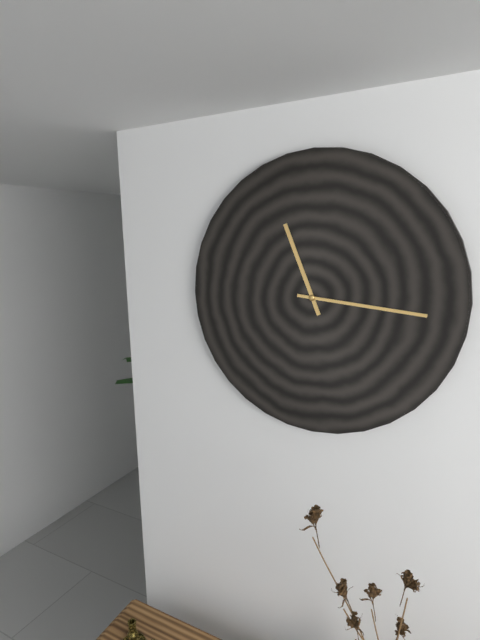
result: h=11 m=16
